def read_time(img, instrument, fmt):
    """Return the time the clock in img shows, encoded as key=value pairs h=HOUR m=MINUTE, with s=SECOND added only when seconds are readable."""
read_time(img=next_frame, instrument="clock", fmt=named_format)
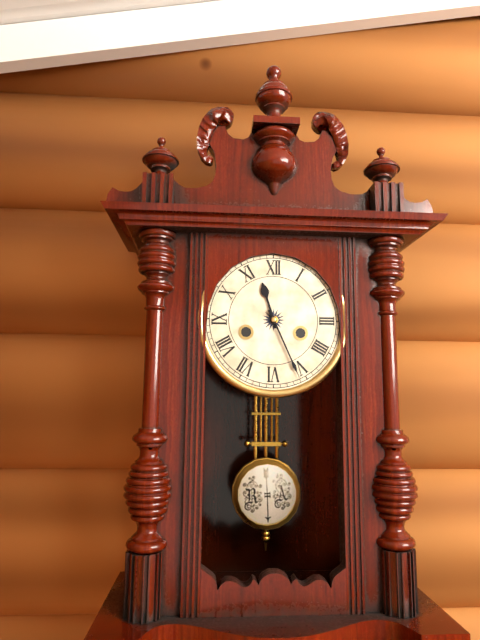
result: h=11 m=26
